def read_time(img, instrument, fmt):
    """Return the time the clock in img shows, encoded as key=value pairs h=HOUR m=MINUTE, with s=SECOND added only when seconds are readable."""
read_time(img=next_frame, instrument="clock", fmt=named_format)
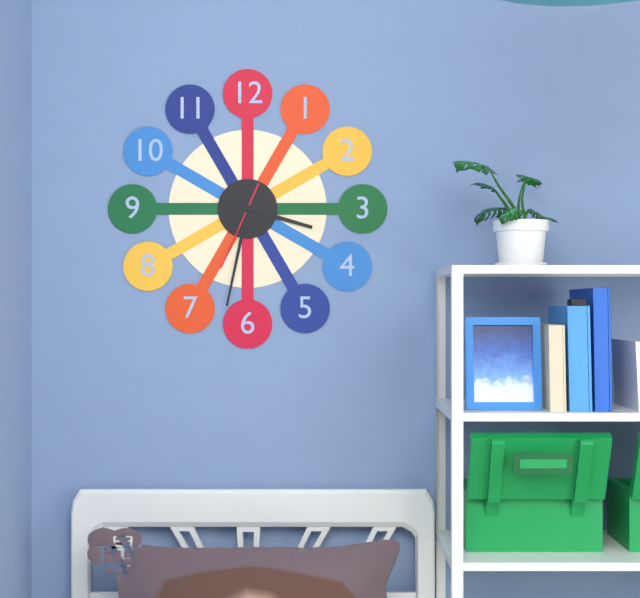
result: h=3 m=32 s=34
